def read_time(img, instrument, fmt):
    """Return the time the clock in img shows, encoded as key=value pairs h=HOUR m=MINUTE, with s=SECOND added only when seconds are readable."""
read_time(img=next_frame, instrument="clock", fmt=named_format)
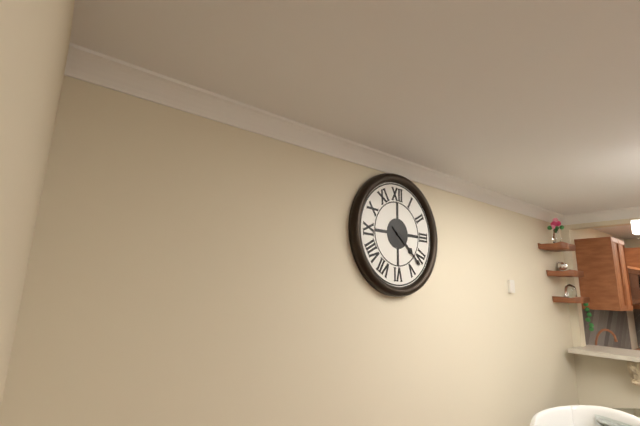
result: h=4 m=22
